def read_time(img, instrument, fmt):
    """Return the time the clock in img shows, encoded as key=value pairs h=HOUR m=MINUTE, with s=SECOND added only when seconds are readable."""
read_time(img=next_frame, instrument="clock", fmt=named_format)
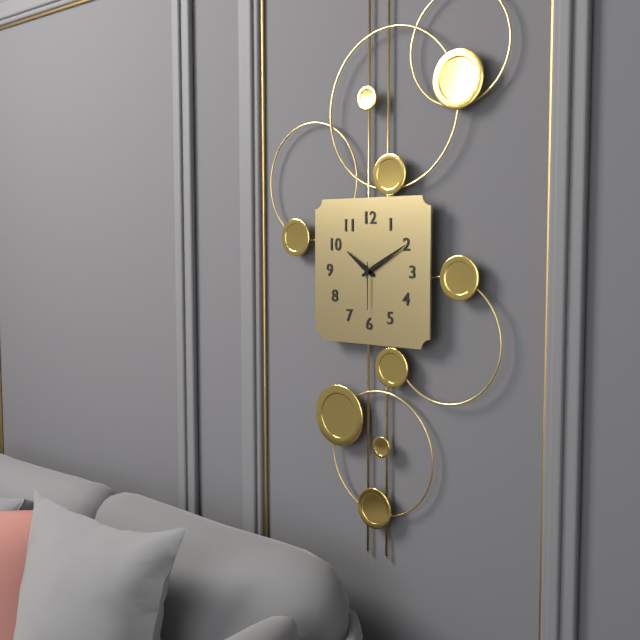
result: h=10 m=10
